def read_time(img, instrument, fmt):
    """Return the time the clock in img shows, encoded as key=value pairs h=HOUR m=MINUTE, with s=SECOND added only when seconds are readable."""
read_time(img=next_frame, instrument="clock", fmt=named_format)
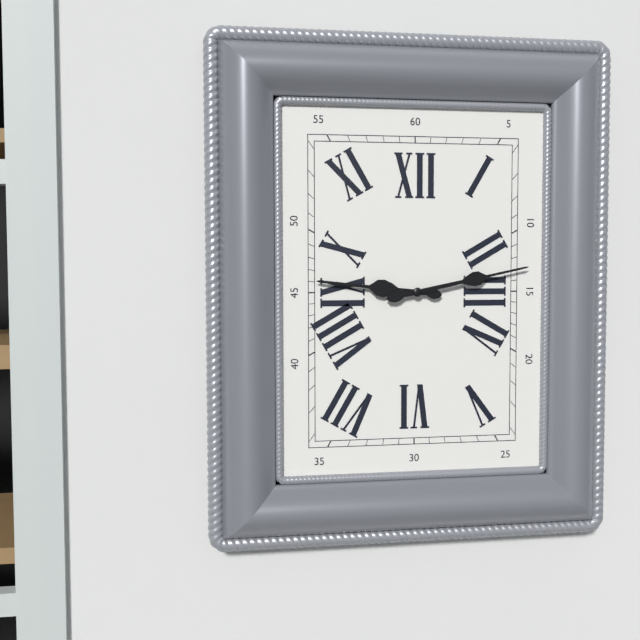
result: h=9 m=13
